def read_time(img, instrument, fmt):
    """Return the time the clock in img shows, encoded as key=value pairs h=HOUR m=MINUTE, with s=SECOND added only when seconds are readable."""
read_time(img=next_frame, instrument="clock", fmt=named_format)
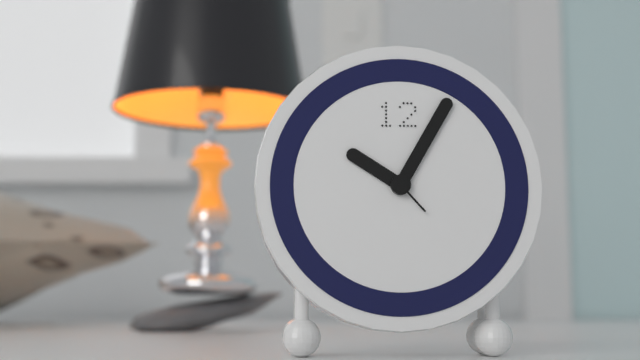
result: h=10 m=5
